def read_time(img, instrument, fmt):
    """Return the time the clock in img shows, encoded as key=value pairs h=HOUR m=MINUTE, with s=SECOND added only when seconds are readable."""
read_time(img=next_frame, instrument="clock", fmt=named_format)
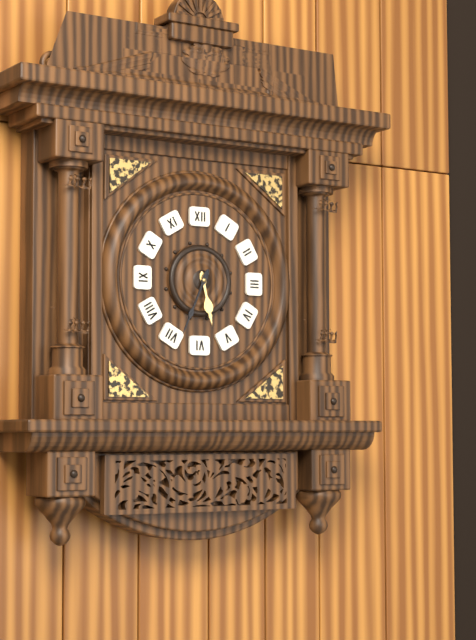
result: h=5 m=34
